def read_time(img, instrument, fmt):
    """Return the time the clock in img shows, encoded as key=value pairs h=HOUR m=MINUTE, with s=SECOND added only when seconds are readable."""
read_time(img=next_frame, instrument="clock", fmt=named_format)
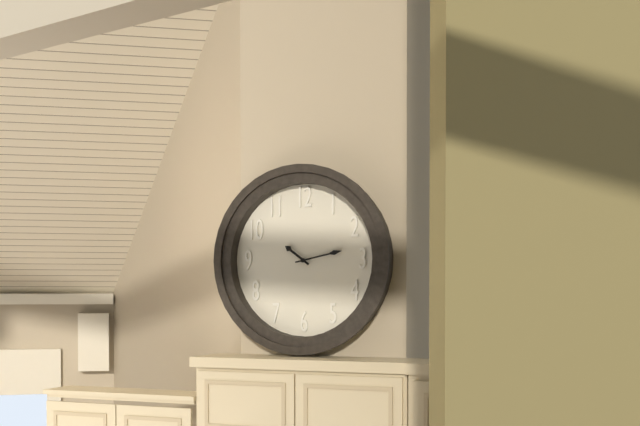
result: h=10 m=13
